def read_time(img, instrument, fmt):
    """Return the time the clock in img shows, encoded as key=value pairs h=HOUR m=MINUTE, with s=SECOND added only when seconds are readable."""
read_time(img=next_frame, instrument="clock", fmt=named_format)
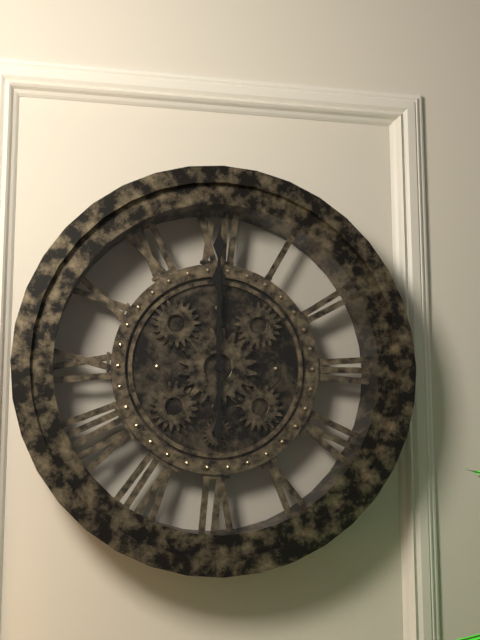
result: h=12 m=0
